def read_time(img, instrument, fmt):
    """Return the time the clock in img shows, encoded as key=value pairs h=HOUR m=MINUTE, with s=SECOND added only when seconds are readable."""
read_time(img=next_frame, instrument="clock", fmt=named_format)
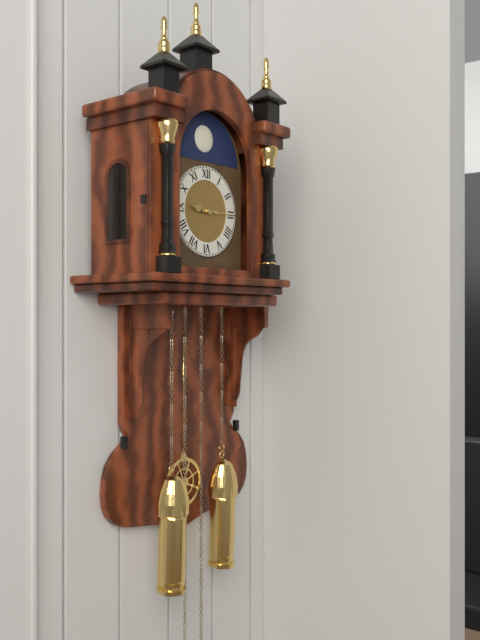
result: h=9 m=15
